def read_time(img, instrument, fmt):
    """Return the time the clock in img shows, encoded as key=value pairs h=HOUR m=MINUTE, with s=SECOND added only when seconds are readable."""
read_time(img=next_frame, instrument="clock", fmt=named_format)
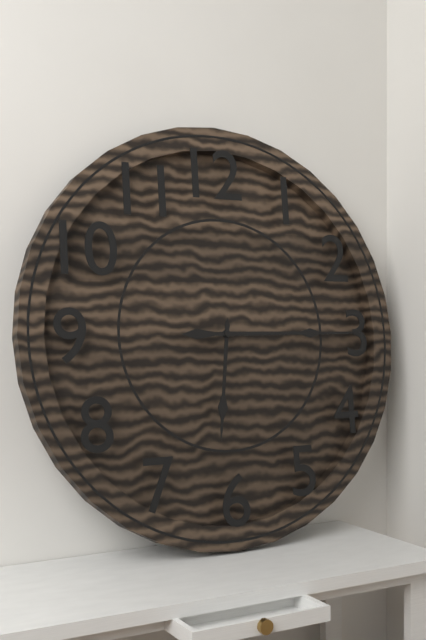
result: h=6 m=15
